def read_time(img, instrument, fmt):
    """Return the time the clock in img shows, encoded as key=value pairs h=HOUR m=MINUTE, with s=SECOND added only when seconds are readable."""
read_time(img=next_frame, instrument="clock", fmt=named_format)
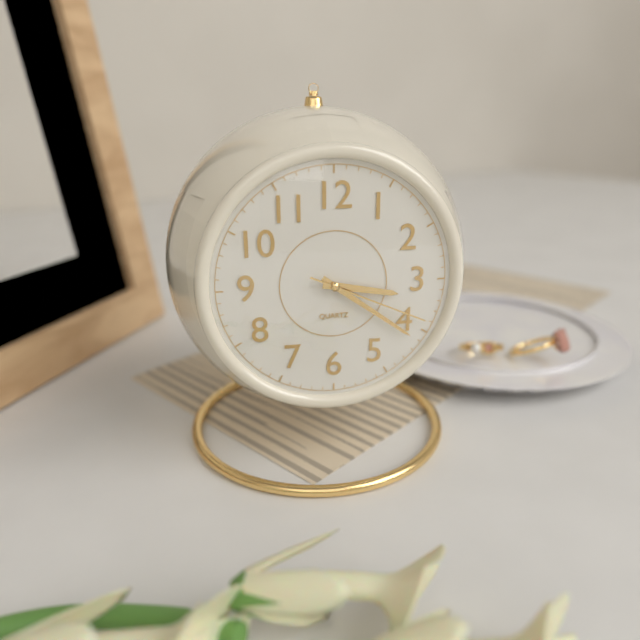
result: h=3 m=21 s=19
